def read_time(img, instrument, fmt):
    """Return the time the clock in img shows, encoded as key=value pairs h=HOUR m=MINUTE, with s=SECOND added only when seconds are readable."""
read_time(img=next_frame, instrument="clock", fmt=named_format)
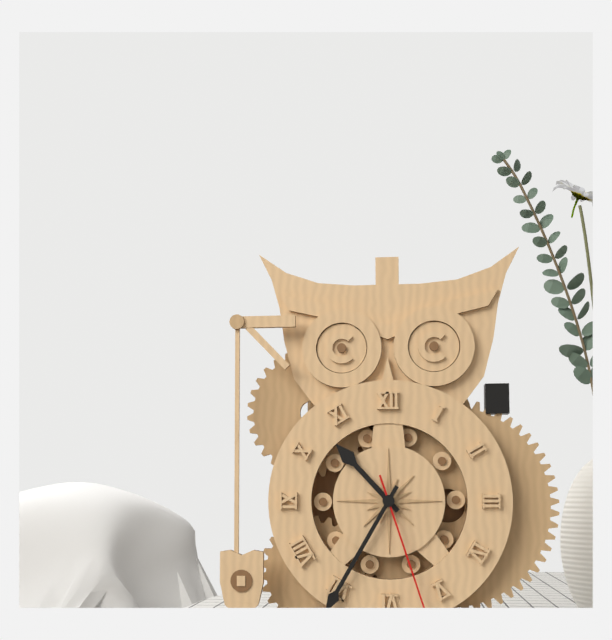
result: h=10 m=35 s=27
